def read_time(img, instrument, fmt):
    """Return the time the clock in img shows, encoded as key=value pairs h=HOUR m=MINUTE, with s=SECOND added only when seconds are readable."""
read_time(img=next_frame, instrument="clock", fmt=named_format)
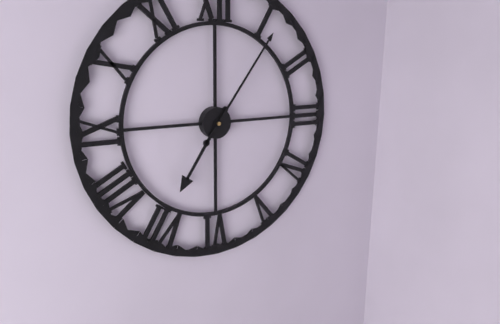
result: h=7 m=6
